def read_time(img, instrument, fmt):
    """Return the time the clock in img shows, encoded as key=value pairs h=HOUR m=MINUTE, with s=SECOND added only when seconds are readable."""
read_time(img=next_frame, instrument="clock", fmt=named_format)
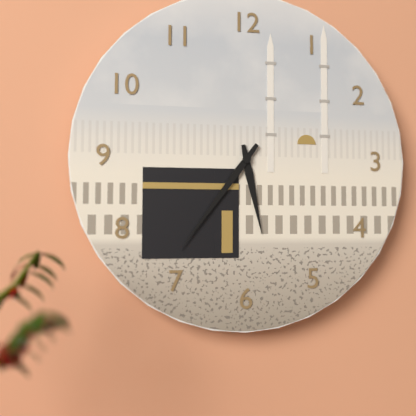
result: h=5 m=36
